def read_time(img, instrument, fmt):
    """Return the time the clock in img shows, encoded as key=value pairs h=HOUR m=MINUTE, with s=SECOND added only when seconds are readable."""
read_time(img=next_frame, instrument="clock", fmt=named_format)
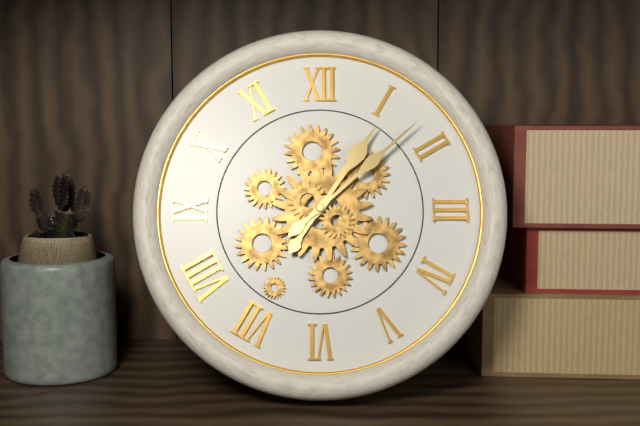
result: h=1 m=8
